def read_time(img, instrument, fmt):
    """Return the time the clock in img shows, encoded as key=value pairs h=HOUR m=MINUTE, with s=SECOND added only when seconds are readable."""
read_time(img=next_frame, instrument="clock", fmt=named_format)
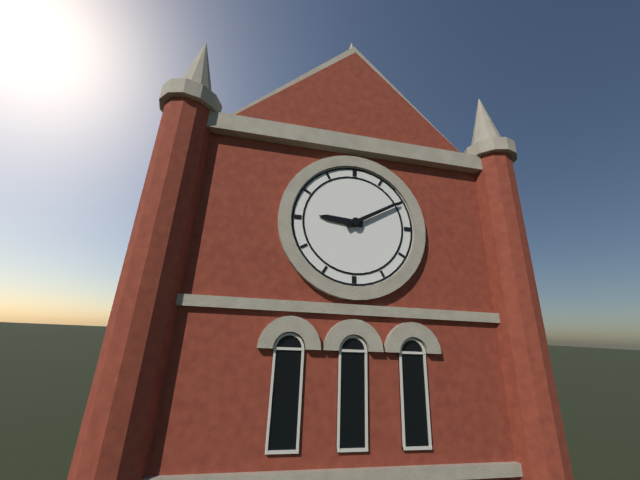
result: h=9 m=10
